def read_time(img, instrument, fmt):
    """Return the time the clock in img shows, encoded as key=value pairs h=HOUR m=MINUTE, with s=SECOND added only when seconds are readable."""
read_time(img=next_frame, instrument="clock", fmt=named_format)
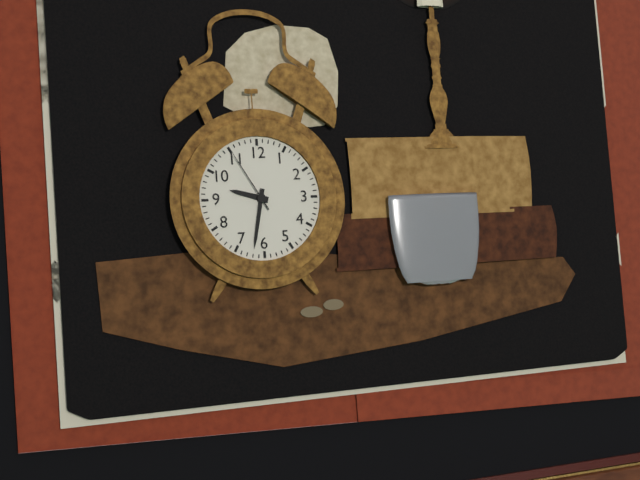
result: h=9 m=32 s=55
